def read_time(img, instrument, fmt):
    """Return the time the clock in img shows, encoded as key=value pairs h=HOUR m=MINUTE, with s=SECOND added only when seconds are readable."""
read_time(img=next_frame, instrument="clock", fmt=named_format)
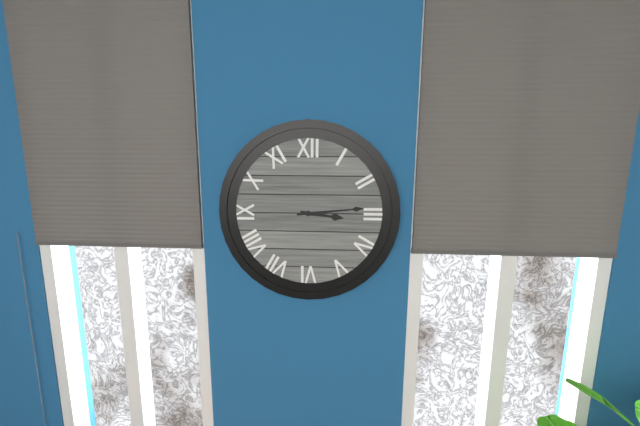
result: h=3 m=14
